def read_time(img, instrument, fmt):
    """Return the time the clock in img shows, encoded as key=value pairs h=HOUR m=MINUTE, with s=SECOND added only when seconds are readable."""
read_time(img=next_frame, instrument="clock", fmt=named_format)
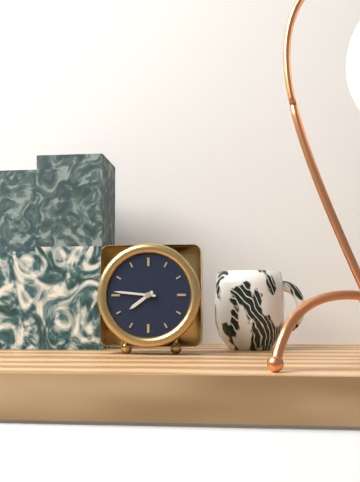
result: h=7 m=46
